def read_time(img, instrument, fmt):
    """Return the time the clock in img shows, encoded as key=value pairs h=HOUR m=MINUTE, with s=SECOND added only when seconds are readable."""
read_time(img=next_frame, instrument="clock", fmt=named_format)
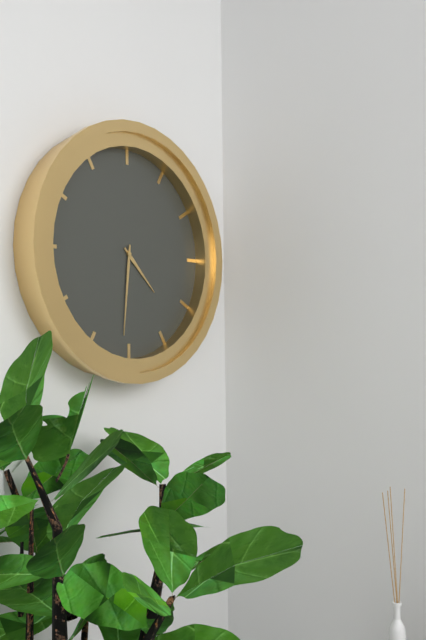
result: h=4 m=31
